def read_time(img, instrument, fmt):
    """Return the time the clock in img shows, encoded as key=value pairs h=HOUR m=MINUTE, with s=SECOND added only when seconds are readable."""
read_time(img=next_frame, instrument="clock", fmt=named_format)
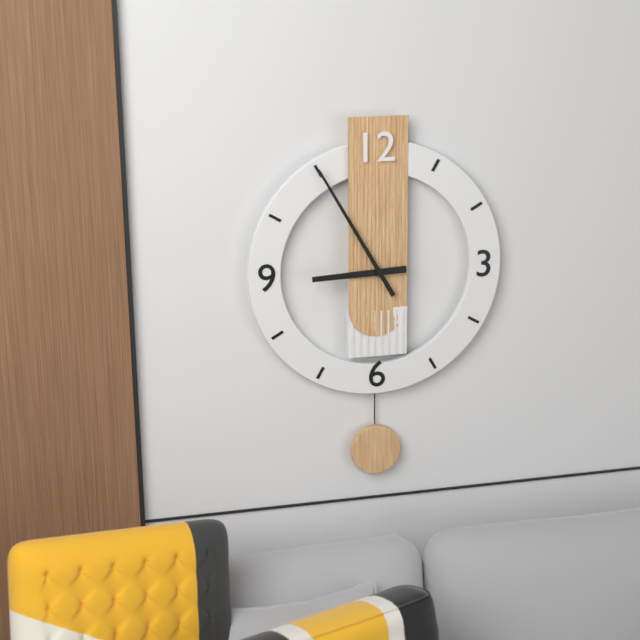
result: h=8 m=55
